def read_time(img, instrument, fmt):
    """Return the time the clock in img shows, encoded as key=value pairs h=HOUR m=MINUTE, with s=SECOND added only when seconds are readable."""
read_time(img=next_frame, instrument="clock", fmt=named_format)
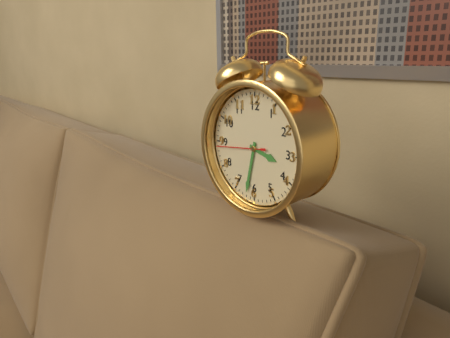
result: h=3 m=32
